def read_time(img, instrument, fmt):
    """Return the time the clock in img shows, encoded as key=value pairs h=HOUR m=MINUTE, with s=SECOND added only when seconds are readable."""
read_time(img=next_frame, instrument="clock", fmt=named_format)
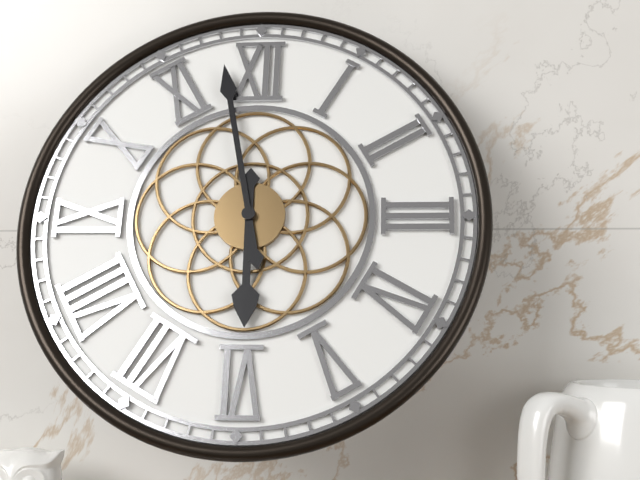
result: h=5 m=58
